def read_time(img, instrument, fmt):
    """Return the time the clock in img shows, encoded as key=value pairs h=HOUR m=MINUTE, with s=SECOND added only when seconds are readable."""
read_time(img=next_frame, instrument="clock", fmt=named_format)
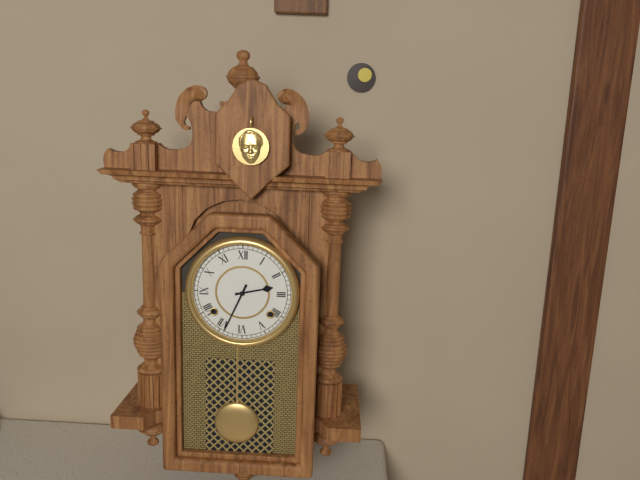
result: h=2 m=34
